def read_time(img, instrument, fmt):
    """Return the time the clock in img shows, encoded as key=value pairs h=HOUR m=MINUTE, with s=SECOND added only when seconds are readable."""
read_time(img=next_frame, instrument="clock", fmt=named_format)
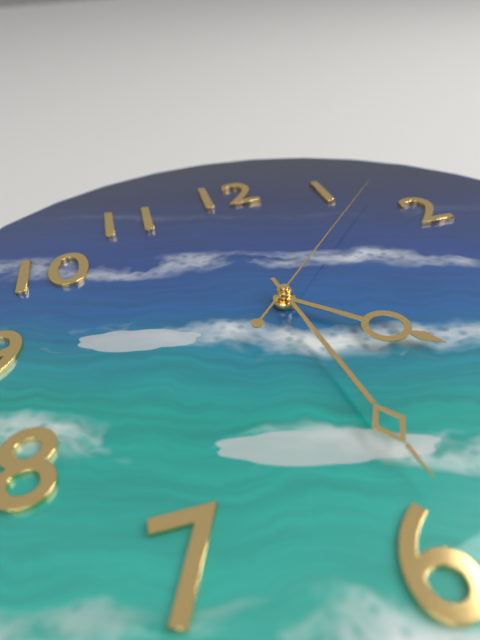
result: h=4 m=29 s=7
